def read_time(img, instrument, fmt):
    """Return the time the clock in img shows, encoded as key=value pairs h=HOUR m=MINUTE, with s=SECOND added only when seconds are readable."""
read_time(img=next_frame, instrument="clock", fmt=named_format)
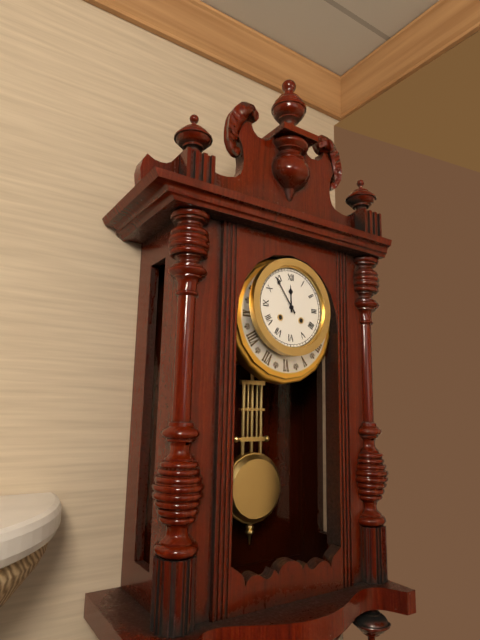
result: h=11 m=54
